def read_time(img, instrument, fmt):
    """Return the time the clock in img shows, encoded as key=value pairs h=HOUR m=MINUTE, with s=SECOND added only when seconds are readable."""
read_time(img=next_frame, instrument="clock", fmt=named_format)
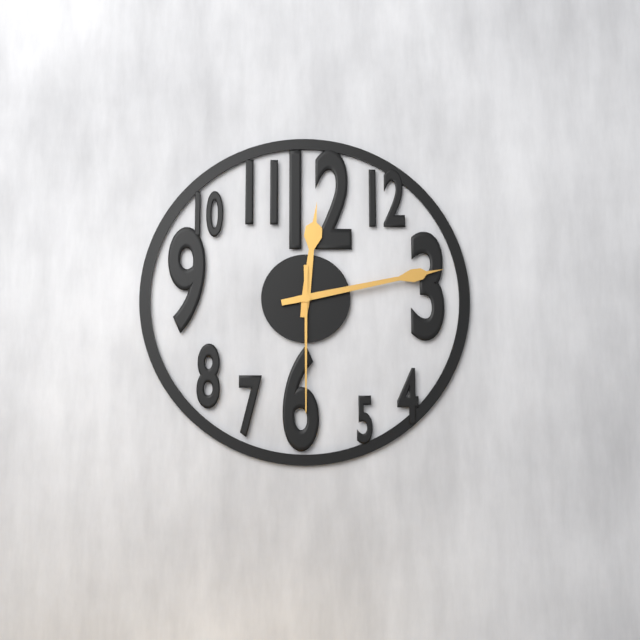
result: h=12 m=13 s=30
